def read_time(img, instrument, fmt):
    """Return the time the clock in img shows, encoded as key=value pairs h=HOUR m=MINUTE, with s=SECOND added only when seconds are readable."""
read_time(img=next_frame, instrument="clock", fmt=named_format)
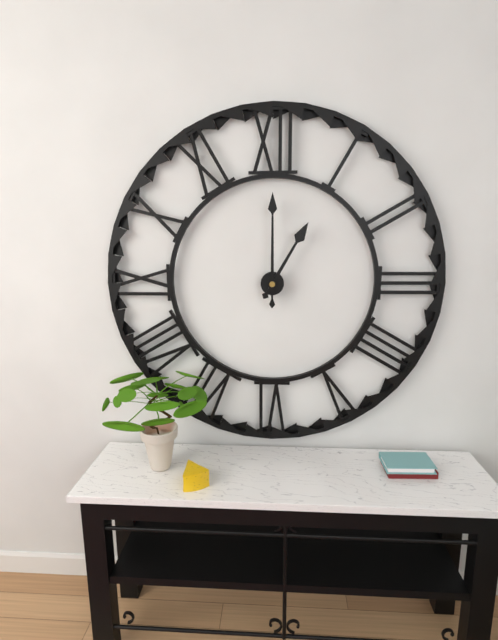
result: h=1 m=0
